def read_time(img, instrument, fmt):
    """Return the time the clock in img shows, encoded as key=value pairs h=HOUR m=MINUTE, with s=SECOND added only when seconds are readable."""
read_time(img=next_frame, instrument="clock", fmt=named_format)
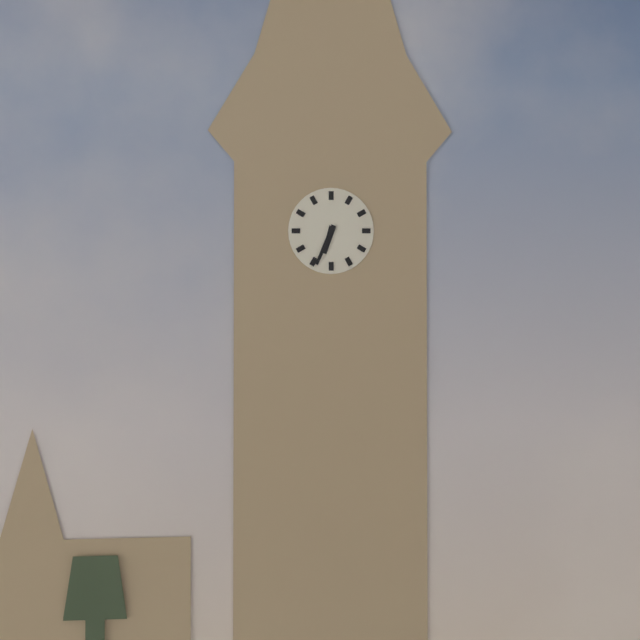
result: h=6 m=34
